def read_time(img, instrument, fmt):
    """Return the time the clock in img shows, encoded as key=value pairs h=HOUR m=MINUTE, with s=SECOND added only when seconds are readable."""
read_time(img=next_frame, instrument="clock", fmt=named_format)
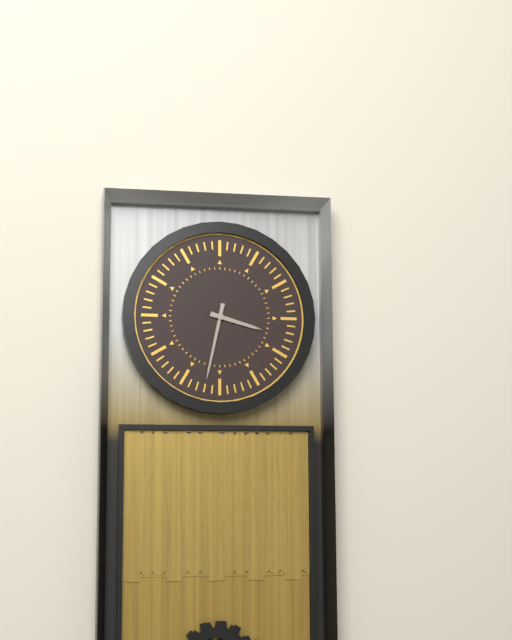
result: h=3 m=32
